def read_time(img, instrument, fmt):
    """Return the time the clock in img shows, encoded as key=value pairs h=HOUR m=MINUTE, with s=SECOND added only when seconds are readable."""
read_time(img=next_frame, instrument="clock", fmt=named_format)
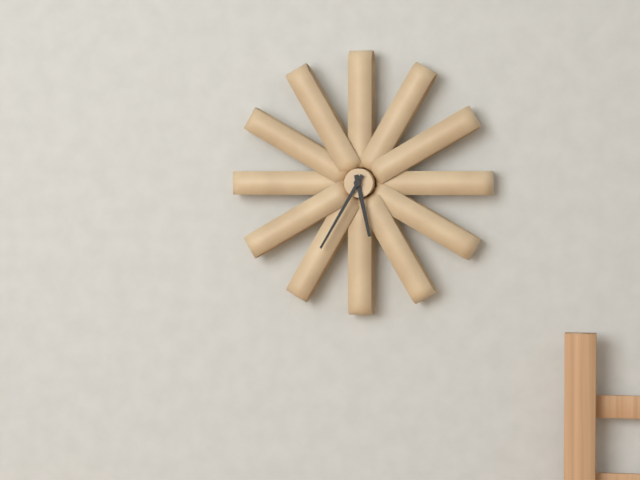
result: h=5 m=35
